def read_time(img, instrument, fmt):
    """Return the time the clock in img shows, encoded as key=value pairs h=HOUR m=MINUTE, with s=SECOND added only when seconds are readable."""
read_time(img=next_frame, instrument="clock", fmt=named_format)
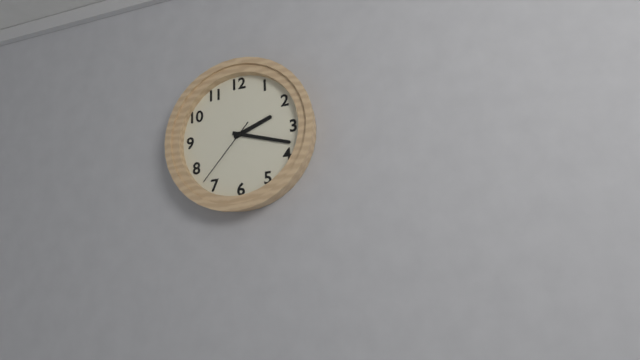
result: h=2 m=18 s=37
